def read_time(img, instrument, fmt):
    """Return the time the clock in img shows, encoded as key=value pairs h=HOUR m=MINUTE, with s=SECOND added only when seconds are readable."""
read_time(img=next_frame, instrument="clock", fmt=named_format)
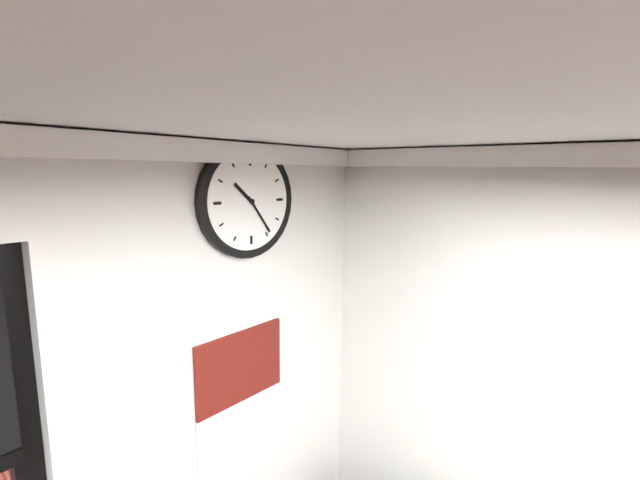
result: h=10 m=24
